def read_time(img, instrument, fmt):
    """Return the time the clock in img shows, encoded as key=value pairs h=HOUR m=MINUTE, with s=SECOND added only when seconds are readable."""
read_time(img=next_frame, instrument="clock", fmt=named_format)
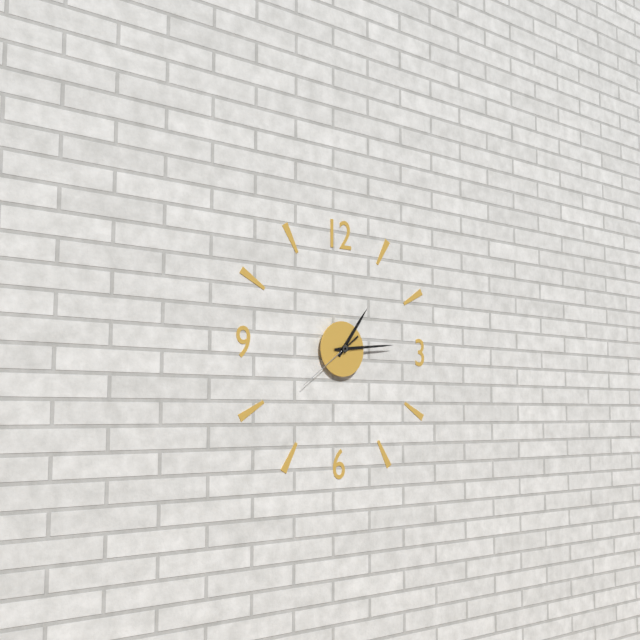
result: h=1 m=14 s=39
